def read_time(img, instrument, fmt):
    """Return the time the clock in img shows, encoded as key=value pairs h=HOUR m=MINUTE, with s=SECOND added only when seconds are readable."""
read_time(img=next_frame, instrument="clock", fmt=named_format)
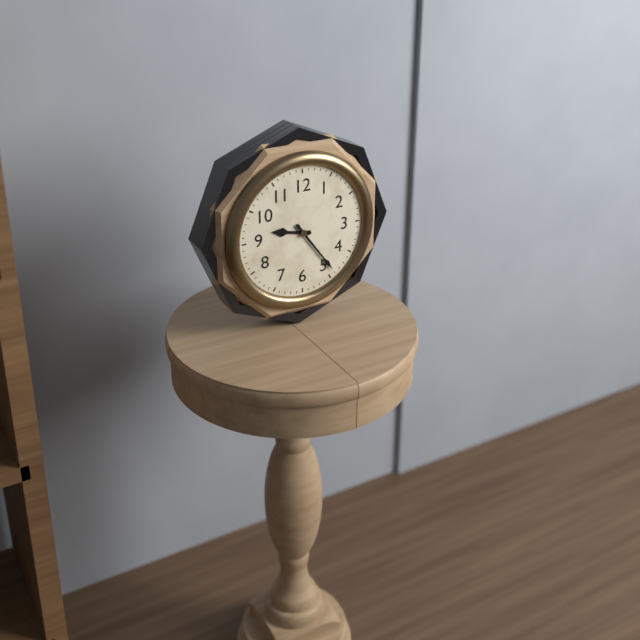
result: h=9 m=24
